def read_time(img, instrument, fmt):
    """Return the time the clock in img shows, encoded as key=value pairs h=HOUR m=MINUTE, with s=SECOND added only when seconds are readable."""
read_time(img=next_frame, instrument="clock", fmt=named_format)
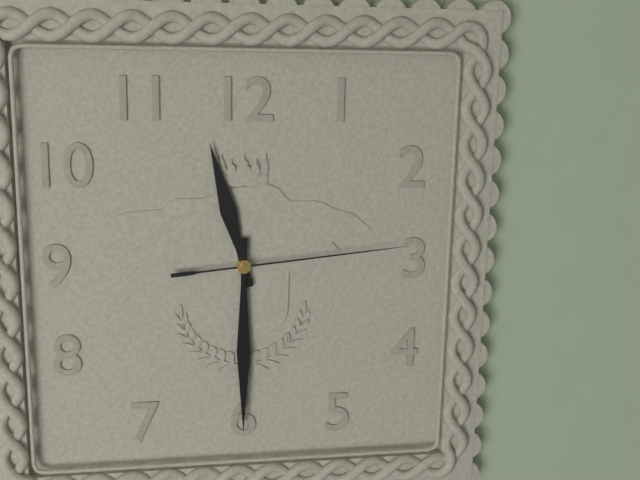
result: h=11 m=30 s=14
